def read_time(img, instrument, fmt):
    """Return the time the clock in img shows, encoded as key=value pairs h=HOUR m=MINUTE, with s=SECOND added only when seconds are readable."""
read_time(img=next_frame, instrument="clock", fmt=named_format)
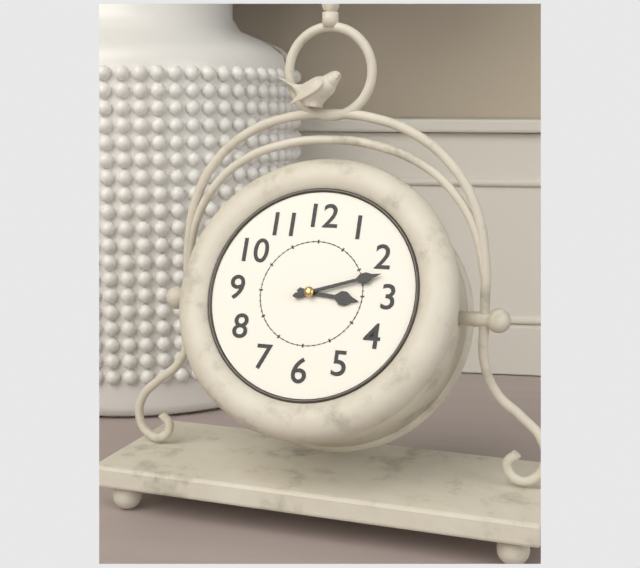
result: h=3 m=12
